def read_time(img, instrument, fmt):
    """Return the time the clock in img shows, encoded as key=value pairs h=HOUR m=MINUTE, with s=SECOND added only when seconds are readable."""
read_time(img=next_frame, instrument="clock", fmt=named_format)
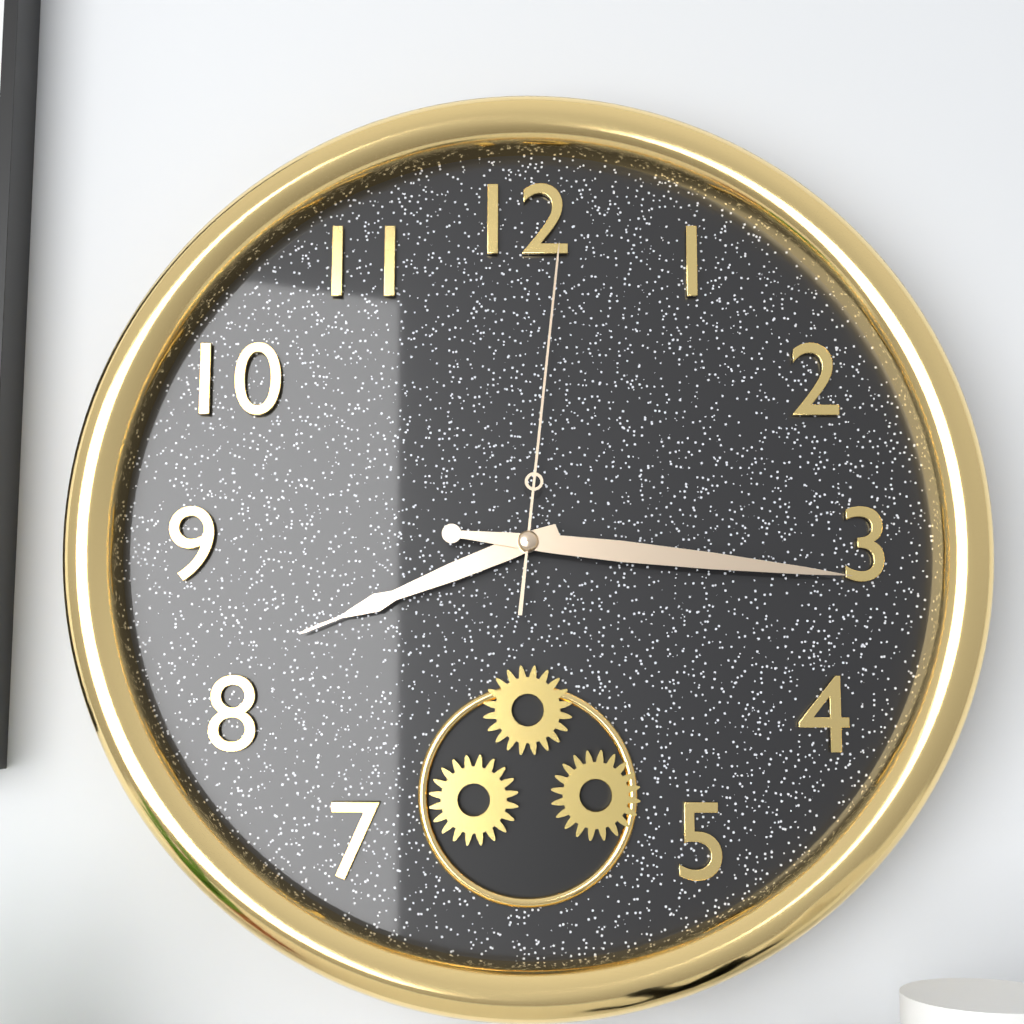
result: h=8 m=16 s=1
